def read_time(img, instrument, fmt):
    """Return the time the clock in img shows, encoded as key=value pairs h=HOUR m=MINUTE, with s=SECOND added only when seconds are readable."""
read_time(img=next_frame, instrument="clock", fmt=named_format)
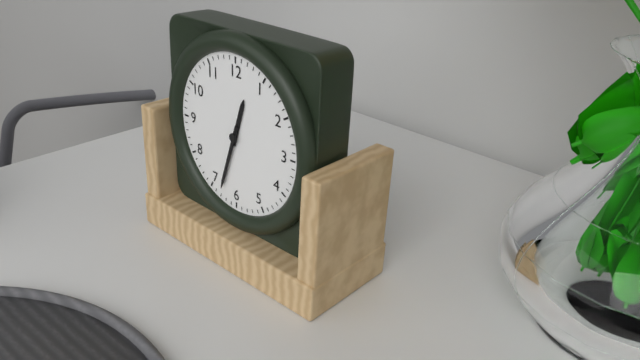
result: h=12 m=33
